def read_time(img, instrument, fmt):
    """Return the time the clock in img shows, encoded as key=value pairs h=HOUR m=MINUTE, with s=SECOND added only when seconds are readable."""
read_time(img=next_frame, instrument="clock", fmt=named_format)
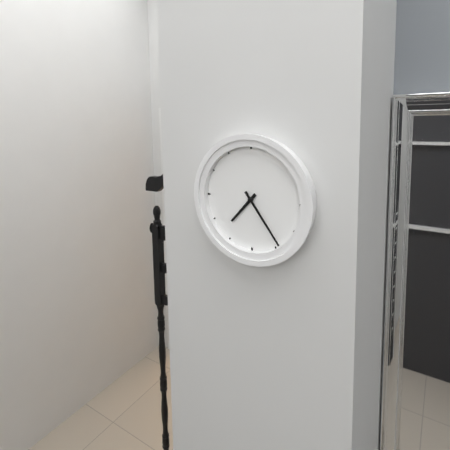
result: h=7 m=24
